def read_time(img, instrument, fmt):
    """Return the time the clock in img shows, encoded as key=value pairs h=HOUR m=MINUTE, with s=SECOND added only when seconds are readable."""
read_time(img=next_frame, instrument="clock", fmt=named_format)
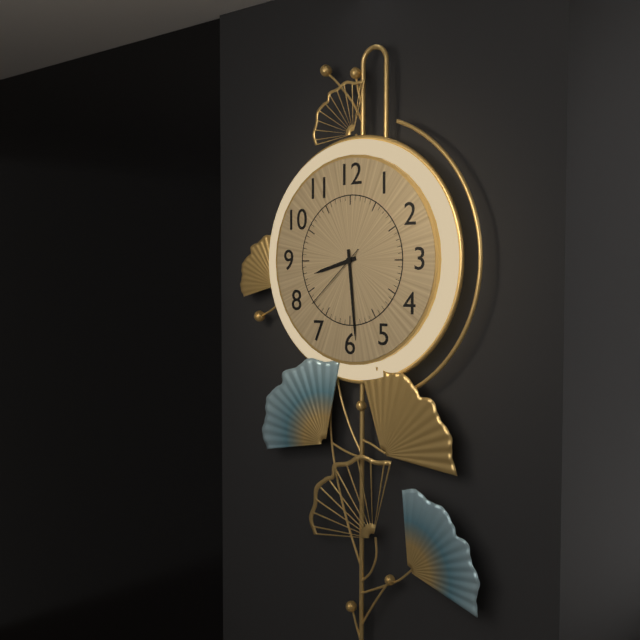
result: h=8 m=29 s=38
